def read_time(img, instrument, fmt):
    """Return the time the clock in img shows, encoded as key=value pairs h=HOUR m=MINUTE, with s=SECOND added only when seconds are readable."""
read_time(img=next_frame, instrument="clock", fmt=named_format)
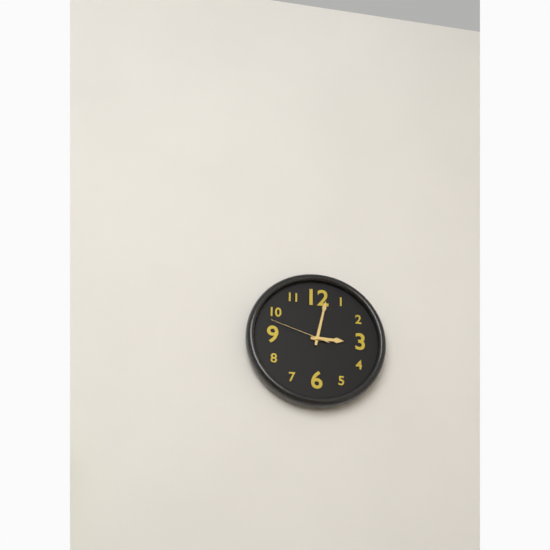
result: h=3 m=2 s=48
